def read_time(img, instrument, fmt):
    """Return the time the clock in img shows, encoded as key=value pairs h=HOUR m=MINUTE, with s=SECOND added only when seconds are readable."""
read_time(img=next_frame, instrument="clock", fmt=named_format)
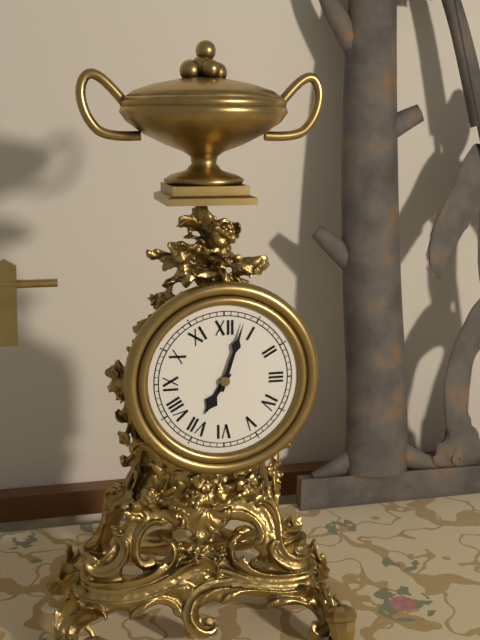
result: h=7 m=3
